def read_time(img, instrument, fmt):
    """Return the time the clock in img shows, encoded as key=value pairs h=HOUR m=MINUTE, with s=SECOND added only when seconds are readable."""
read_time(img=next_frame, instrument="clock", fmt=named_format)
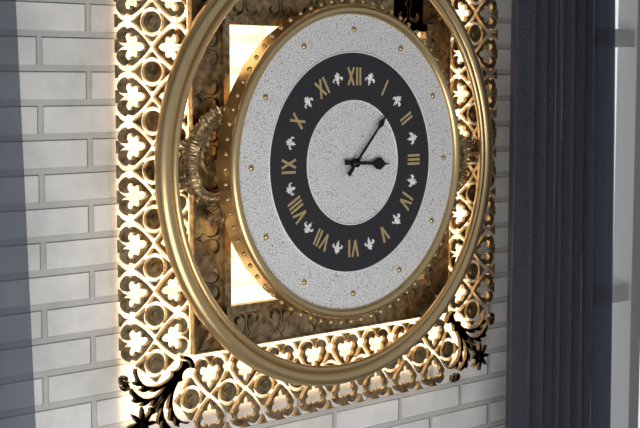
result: h=3 m=7
